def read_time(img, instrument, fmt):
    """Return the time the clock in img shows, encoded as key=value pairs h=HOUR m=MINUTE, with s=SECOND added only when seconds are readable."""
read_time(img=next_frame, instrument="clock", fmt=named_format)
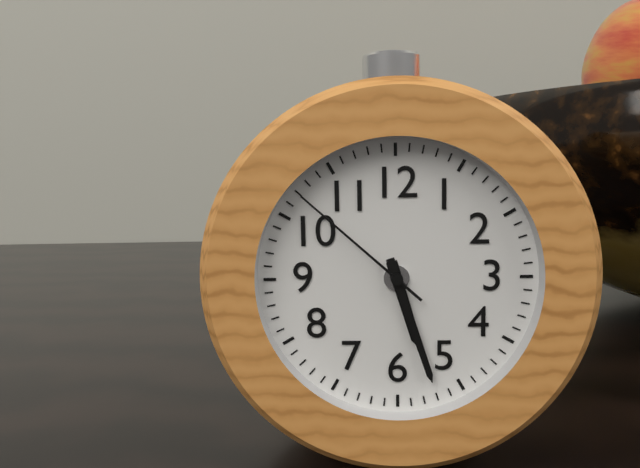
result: h=5 m=27 s=52
